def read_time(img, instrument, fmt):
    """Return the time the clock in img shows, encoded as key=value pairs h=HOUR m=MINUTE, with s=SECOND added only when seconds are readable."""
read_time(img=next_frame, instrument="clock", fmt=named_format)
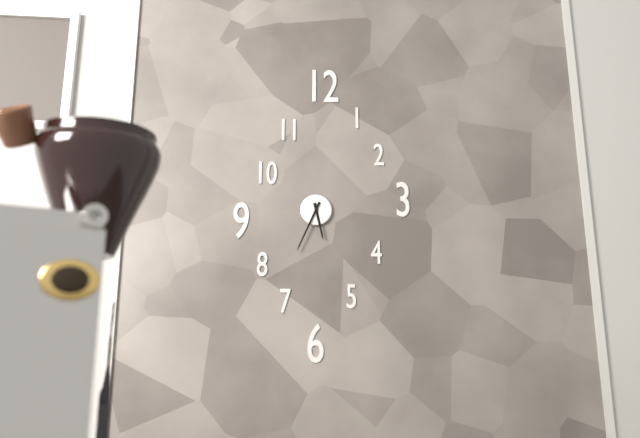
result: h=5 m=34
